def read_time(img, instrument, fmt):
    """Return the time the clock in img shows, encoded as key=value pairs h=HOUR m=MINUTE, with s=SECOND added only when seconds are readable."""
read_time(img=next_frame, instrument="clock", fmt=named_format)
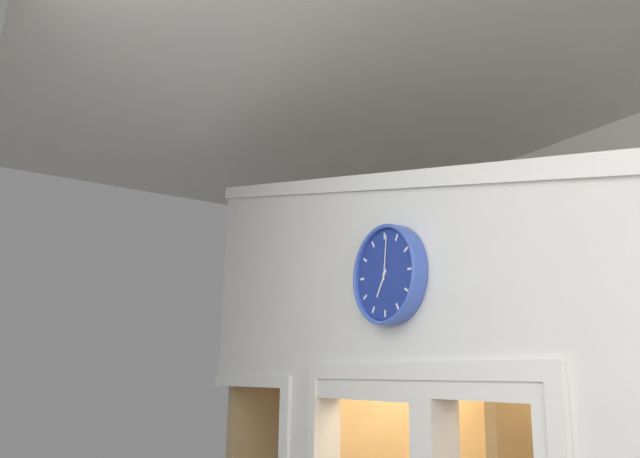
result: h=7 m=1
